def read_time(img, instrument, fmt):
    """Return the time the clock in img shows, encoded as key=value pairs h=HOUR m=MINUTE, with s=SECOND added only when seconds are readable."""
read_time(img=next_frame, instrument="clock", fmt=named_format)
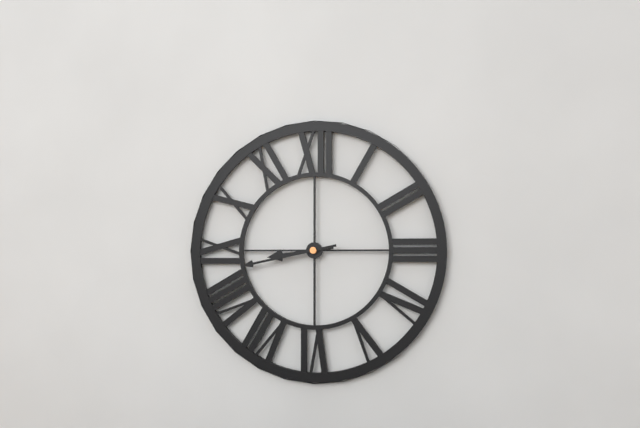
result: h=8 m=43
